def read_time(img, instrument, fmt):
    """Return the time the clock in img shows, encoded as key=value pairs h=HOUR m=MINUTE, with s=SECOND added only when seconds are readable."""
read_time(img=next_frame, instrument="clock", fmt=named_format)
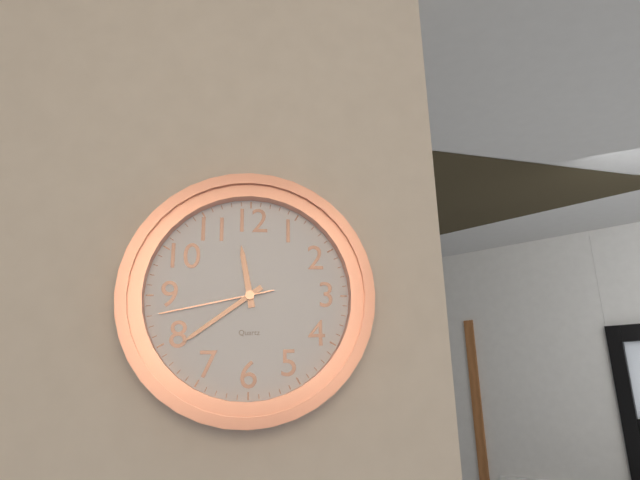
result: h=11 m=39 s=43
